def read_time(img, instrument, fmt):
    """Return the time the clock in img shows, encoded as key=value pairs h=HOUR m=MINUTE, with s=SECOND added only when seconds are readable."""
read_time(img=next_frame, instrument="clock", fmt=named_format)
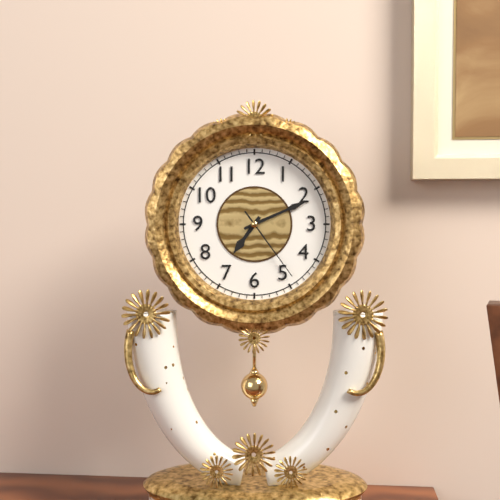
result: h=7 m=11 s=24
